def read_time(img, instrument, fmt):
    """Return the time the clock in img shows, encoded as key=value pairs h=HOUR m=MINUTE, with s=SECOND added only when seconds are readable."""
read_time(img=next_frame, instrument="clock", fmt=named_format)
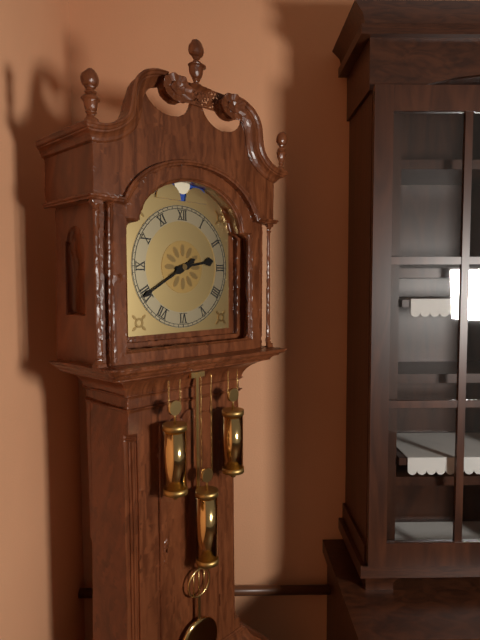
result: h=2 m=40
